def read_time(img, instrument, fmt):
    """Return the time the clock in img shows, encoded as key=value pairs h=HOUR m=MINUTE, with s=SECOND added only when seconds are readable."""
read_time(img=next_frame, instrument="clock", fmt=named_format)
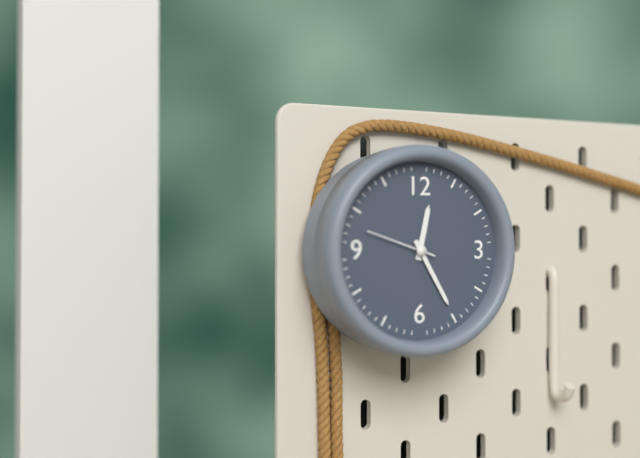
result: h=12 m=25
